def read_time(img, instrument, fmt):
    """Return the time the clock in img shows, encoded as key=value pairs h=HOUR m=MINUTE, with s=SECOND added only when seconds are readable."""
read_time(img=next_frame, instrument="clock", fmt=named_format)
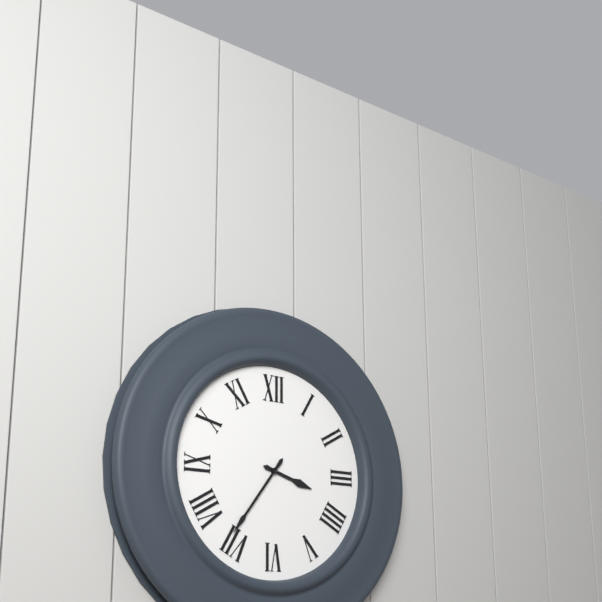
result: h=3 m=36
